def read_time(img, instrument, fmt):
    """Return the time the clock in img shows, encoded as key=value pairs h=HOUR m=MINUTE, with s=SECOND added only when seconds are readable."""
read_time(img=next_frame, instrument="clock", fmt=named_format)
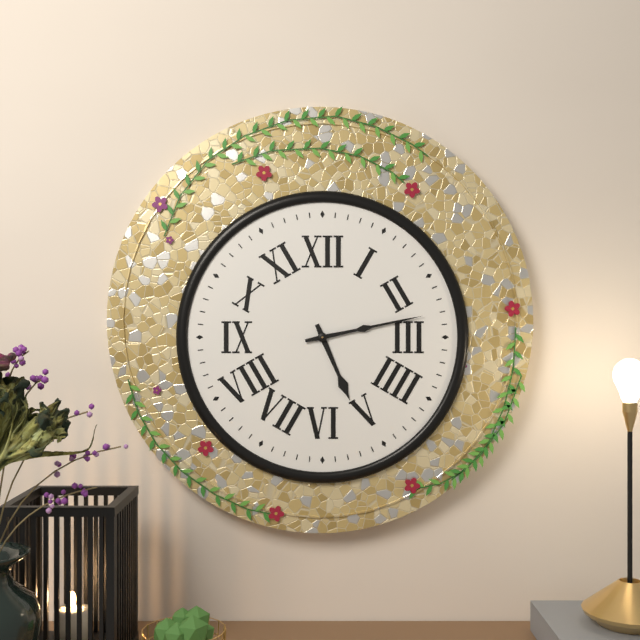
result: h=5 m=13
